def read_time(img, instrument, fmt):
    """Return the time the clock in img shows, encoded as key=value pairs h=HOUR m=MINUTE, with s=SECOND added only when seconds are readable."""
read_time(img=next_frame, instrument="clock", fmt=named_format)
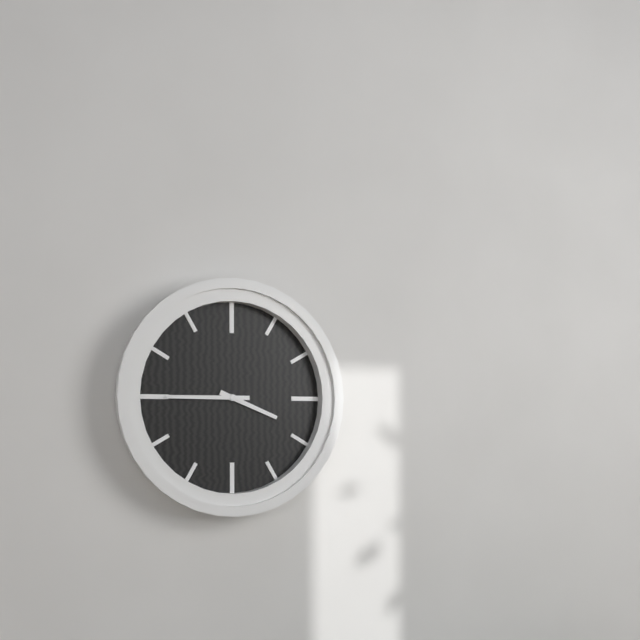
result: h=3 m=45
